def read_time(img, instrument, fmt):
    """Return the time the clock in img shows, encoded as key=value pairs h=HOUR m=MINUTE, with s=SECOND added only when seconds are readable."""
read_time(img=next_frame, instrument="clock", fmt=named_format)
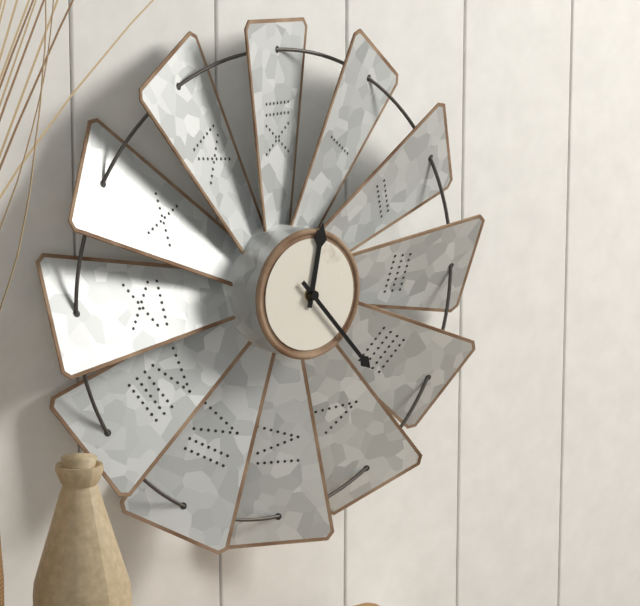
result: h=12 m=23
